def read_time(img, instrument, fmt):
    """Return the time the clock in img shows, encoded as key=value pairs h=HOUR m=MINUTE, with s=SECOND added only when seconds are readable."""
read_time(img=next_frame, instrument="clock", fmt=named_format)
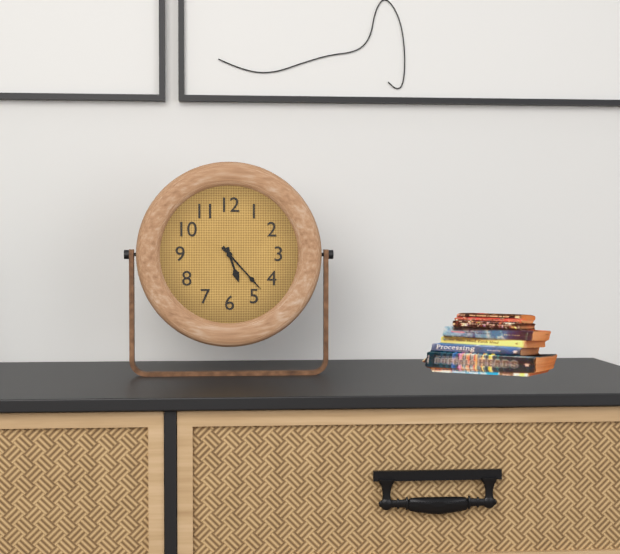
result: h=5 m=23
